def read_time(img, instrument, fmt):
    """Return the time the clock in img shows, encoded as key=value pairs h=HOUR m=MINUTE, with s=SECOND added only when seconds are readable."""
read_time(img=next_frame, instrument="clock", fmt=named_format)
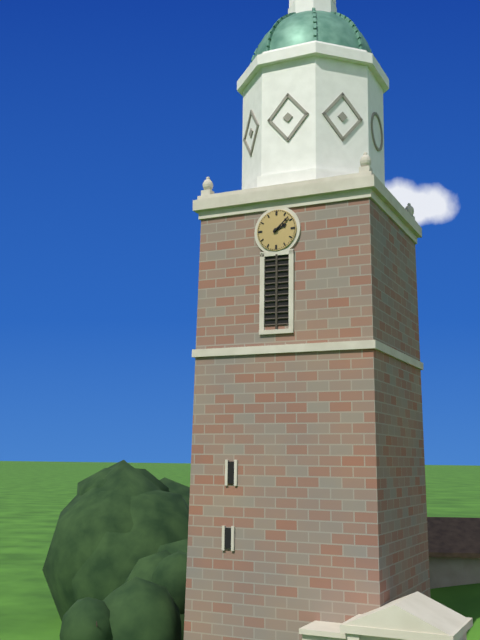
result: h=2 m=8
